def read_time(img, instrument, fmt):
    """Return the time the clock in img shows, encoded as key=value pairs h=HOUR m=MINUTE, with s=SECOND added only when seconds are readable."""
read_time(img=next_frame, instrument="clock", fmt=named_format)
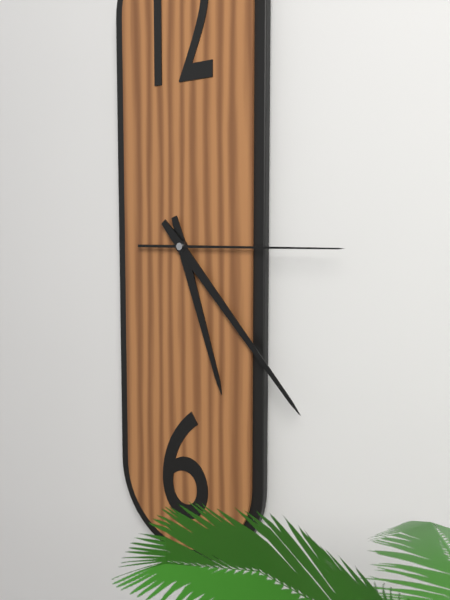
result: h=5 m=23 s=15
